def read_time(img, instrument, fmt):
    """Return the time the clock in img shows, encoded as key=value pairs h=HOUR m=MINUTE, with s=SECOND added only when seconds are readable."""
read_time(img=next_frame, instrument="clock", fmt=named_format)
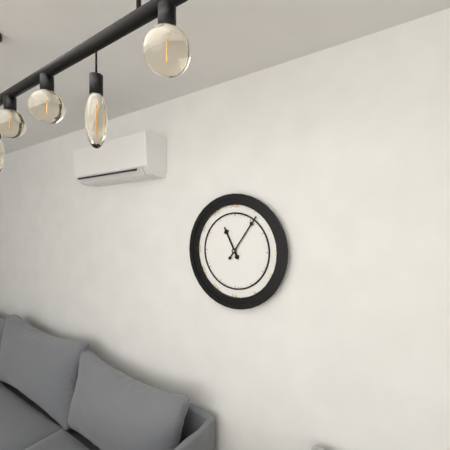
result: h=11 m=6
